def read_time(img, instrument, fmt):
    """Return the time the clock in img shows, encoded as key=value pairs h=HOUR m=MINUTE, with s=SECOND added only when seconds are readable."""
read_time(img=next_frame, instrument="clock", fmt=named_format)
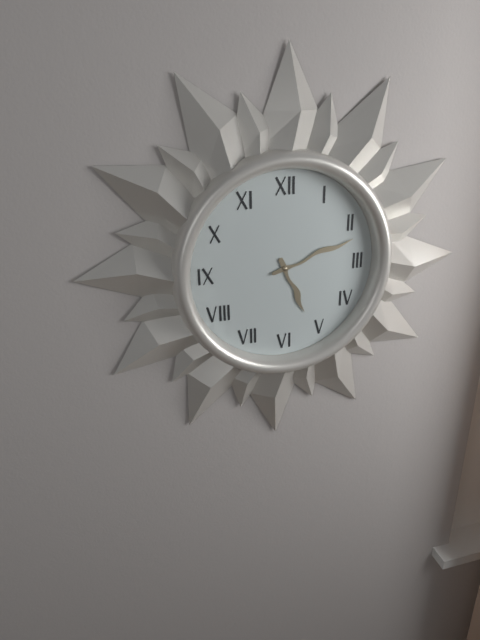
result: h=5 m=12
